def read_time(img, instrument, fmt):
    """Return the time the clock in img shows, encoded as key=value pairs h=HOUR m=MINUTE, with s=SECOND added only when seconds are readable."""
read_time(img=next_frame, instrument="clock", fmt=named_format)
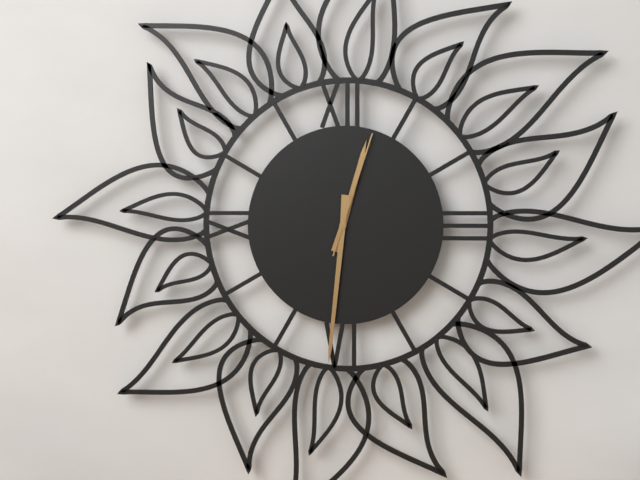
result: h=12 m=31 s=3
